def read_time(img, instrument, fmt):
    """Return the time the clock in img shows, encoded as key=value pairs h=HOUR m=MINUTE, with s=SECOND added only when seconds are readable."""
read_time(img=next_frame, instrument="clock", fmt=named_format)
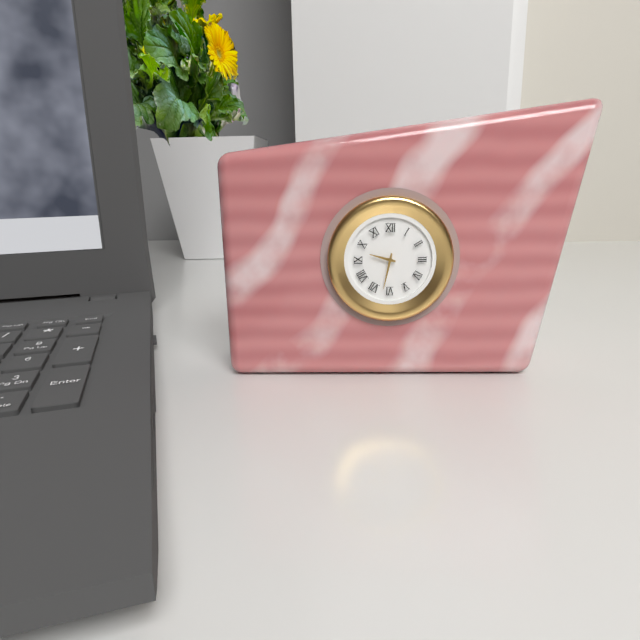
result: h=9 m=32
